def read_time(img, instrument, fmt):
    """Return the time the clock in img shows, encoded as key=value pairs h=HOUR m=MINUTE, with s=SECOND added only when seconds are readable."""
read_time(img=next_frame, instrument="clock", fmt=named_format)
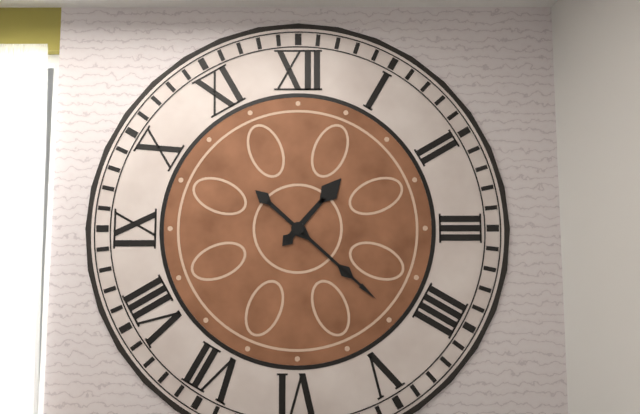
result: h=1 m=22
